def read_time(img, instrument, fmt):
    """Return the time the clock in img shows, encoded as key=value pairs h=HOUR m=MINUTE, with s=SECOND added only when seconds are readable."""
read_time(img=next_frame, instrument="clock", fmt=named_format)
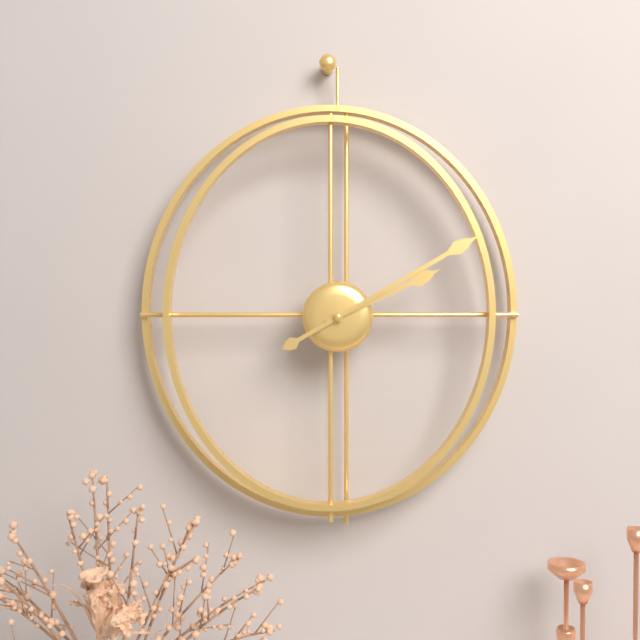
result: h=2 m=10
